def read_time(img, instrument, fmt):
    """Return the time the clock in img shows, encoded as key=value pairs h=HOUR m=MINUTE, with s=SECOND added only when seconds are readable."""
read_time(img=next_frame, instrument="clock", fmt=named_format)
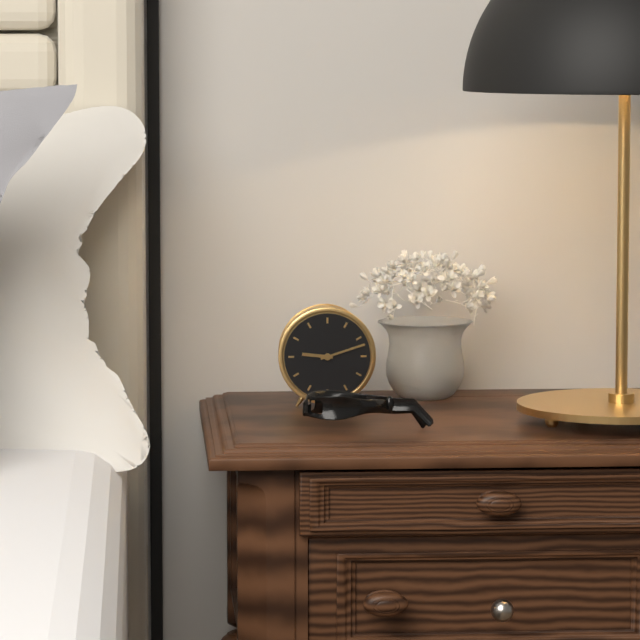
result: h=9 m=12
